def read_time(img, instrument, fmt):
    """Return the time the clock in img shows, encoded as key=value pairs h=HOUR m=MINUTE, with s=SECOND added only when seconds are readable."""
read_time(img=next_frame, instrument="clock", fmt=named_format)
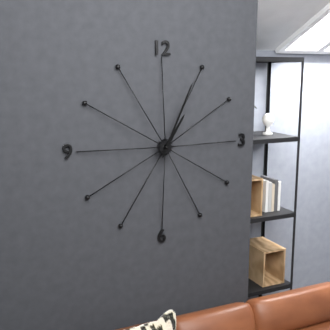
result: h=1 m=4
